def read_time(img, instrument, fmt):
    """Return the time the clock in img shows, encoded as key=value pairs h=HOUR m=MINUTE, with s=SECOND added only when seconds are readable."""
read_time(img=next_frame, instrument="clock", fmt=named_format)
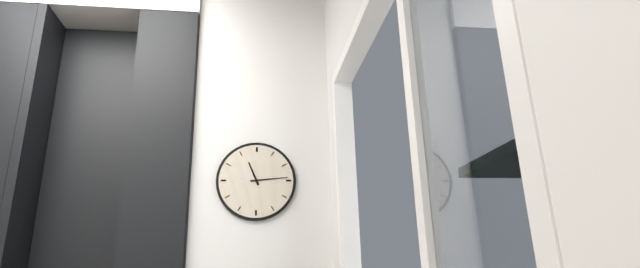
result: h=11 m=14
